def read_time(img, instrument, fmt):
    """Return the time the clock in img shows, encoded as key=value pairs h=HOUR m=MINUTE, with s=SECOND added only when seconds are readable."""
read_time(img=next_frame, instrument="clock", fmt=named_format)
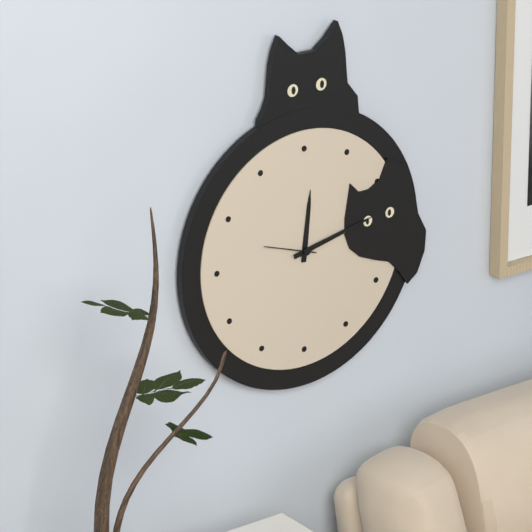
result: h=12 m=13 s=48
